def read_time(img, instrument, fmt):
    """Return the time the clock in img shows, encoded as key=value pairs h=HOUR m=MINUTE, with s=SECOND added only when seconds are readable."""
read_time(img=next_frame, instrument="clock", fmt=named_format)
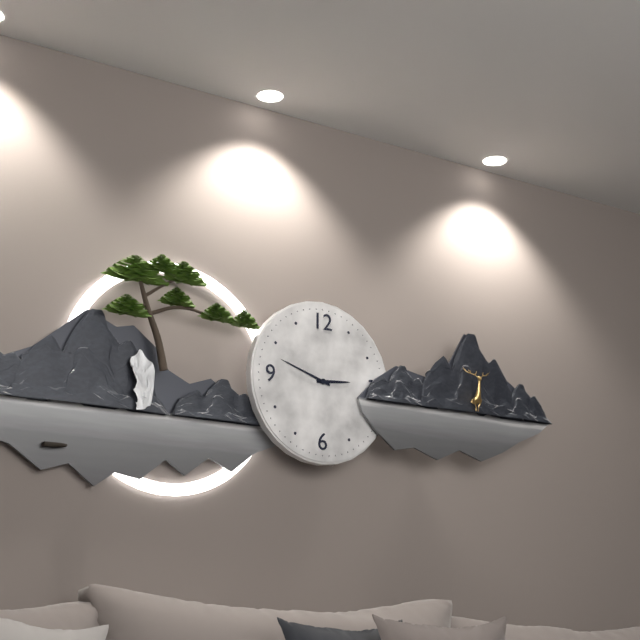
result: h=2 m=48
